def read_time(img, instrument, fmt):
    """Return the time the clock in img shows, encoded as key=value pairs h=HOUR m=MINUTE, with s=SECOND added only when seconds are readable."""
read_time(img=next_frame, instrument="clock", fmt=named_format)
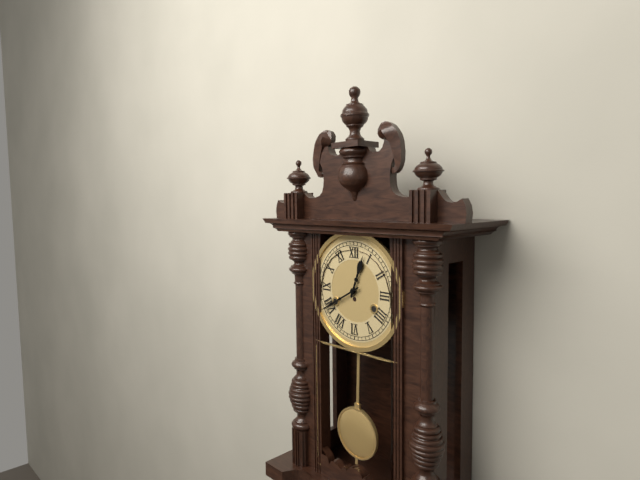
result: h=12 m=40
